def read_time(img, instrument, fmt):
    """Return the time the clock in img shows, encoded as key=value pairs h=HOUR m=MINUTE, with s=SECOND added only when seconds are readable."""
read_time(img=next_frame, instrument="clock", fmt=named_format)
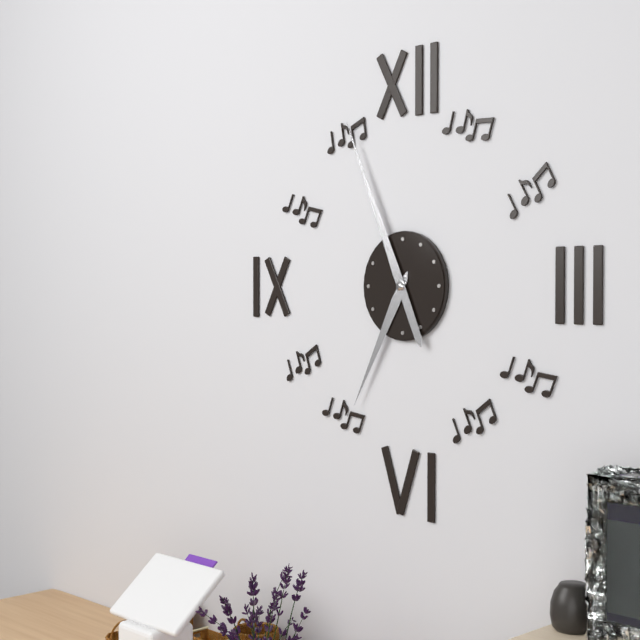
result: h=6 m=56
